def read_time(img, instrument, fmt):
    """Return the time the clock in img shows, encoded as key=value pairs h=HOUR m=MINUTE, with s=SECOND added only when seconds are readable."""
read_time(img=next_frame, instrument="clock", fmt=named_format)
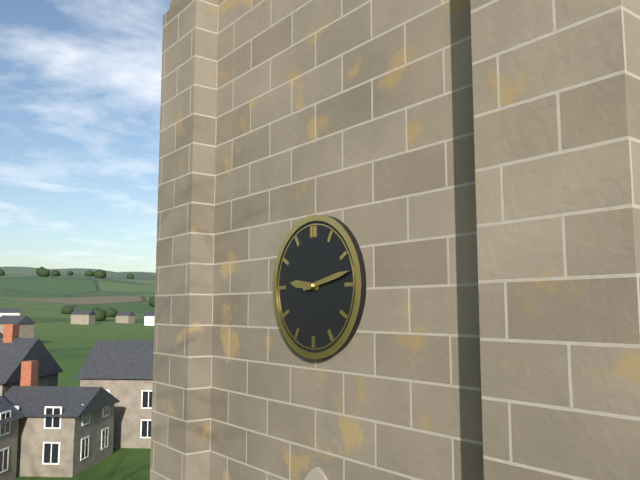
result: h=9 m=13
